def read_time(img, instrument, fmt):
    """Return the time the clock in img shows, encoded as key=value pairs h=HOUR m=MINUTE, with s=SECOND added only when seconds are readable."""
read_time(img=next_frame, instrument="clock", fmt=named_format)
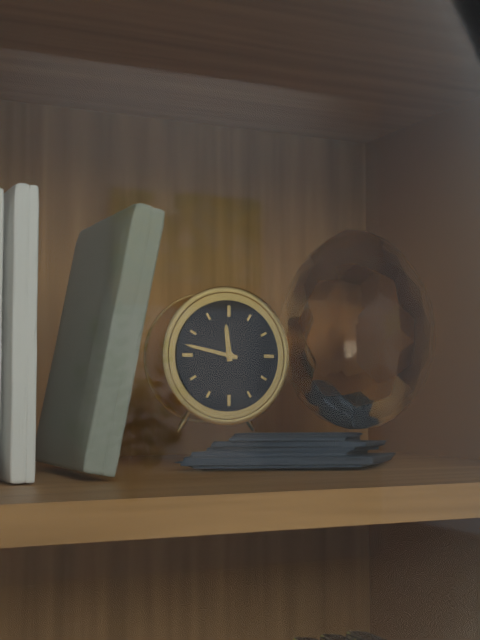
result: h=11 m=47
